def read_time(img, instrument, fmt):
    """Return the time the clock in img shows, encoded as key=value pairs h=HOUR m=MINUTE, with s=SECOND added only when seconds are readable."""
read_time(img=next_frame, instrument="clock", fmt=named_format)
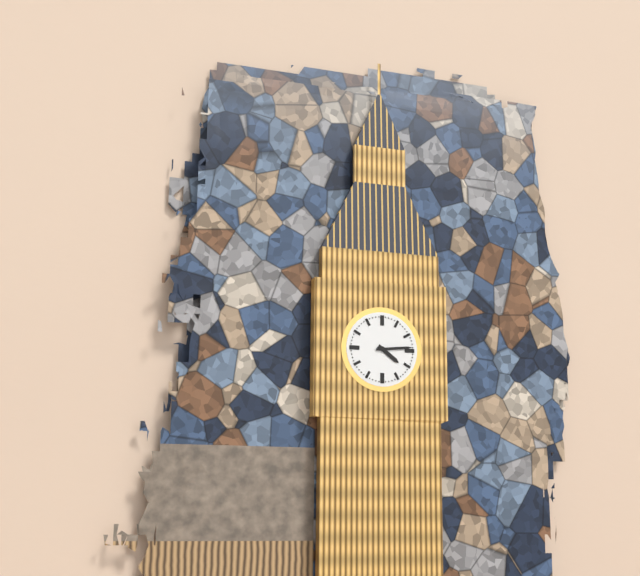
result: h=4 m=14
